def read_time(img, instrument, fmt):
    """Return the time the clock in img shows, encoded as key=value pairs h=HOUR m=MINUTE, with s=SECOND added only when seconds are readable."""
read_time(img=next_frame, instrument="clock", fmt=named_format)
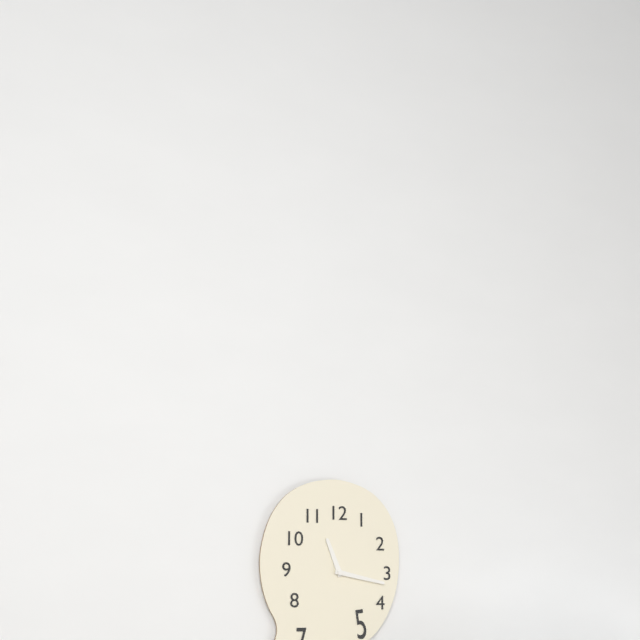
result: h=11 m=17
